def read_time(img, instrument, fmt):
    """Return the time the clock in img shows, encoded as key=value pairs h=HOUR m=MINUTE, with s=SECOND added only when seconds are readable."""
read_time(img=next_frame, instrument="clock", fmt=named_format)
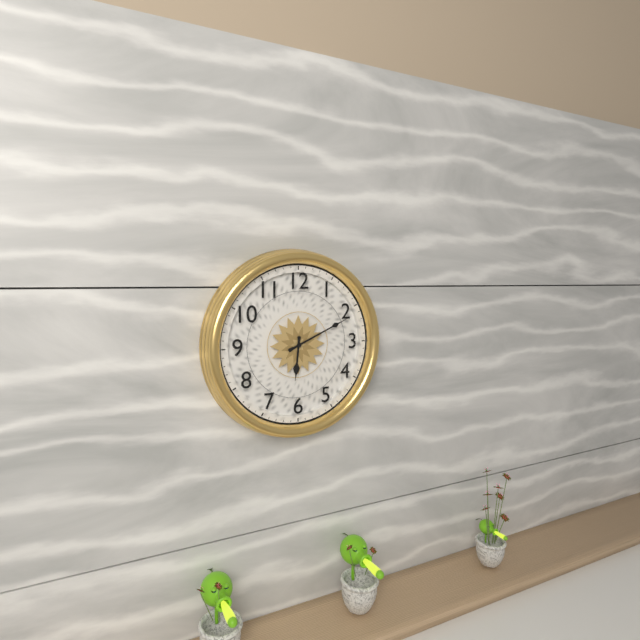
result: h=6 m=11
